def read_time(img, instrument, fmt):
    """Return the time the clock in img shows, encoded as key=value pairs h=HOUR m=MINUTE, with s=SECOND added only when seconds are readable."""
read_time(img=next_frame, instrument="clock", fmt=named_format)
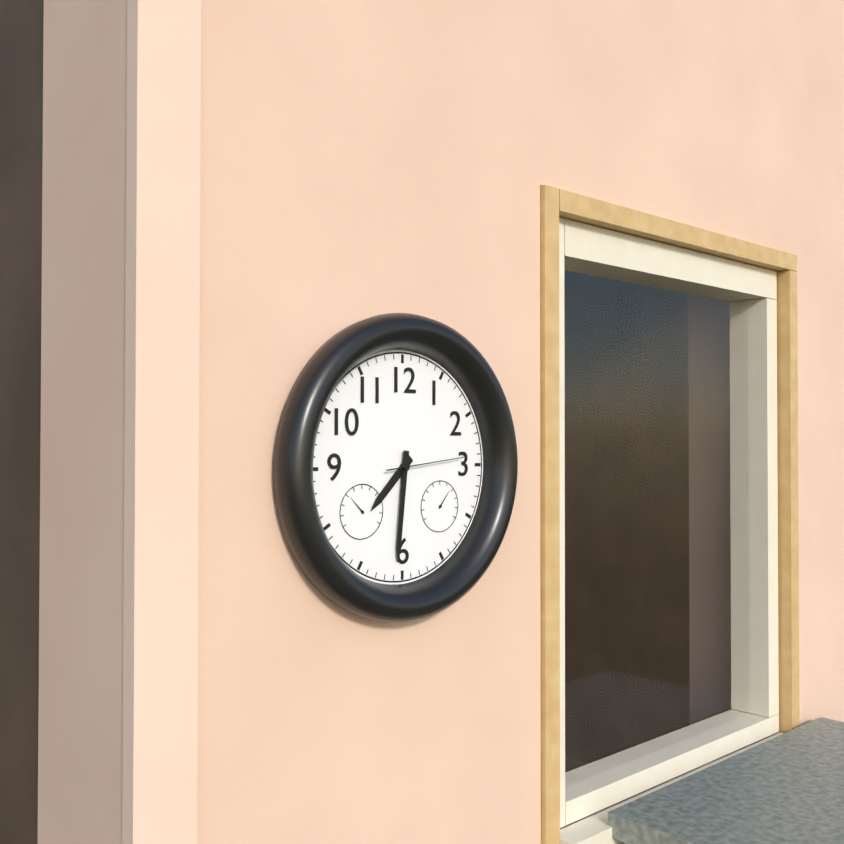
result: h=7 m=31 s=14
